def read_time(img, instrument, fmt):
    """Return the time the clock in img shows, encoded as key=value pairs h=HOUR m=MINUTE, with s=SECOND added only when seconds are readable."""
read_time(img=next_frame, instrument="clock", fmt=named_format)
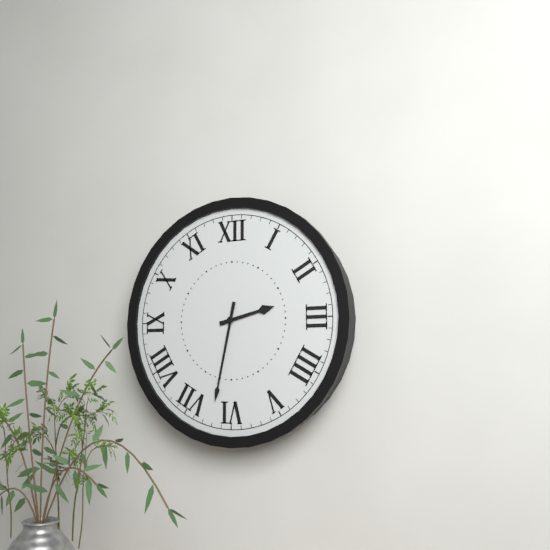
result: h=2 m=32
